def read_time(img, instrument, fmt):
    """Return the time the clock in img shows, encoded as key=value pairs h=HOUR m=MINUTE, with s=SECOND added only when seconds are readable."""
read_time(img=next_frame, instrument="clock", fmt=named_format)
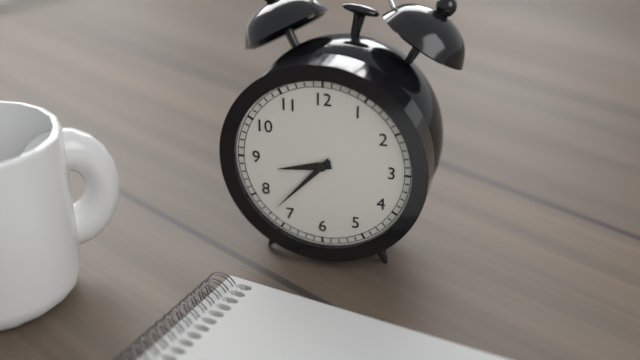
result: h=8 m=37
